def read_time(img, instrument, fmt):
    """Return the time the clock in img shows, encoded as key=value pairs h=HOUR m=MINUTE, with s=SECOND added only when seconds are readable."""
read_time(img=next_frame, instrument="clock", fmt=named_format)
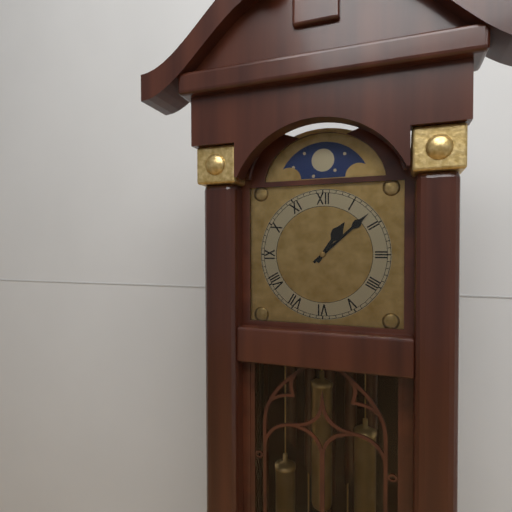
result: h=1 m=8
